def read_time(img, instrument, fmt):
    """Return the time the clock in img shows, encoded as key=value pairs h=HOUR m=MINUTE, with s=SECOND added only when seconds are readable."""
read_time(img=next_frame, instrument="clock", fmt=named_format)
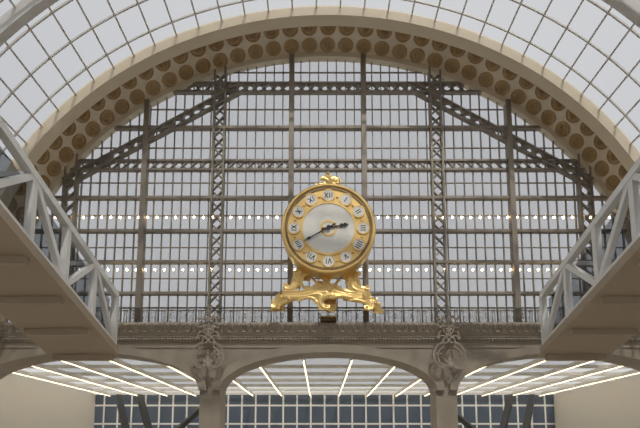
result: h=2 m=40
